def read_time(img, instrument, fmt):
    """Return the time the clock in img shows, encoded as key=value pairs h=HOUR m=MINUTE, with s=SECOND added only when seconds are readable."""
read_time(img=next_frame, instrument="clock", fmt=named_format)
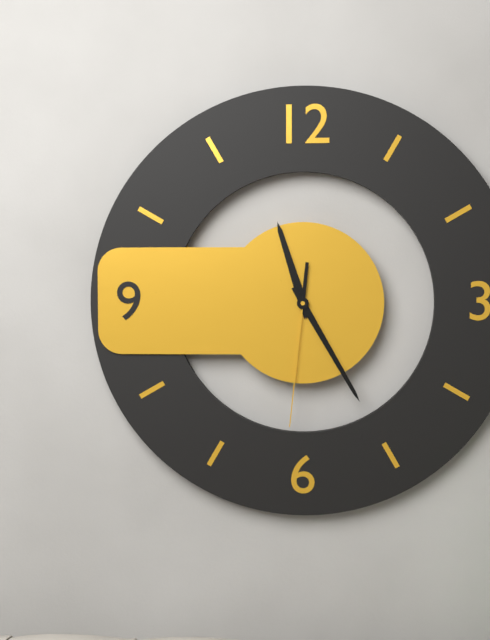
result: h=11 m=25 s=31
